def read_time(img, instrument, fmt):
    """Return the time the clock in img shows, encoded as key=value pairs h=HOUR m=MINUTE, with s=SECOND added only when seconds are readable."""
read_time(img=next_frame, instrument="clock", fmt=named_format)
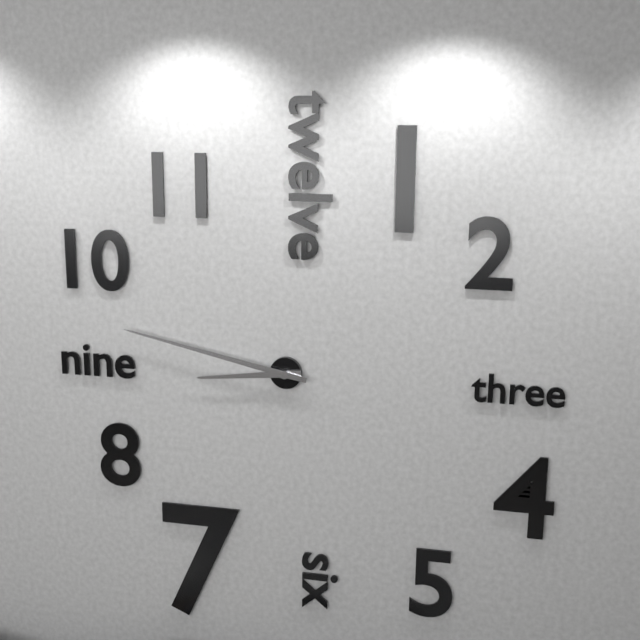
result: h=8 m=47
